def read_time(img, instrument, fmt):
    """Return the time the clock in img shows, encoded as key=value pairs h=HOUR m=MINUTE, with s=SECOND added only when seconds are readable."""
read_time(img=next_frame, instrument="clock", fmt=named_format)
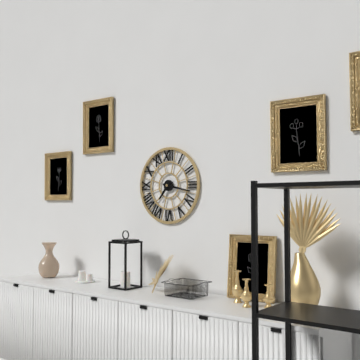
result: h=7 m=17
